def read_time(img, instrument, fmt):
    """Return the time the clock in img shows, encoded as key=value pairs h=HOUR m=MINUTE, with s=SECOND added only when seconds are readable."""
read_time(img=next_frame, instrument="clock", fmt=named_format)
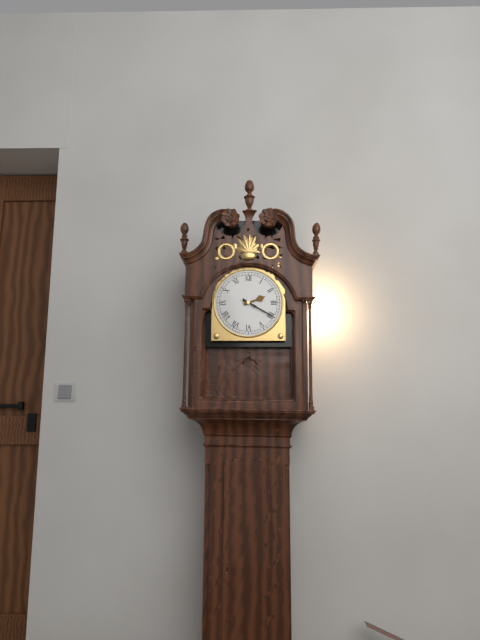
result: h=2 m=20
